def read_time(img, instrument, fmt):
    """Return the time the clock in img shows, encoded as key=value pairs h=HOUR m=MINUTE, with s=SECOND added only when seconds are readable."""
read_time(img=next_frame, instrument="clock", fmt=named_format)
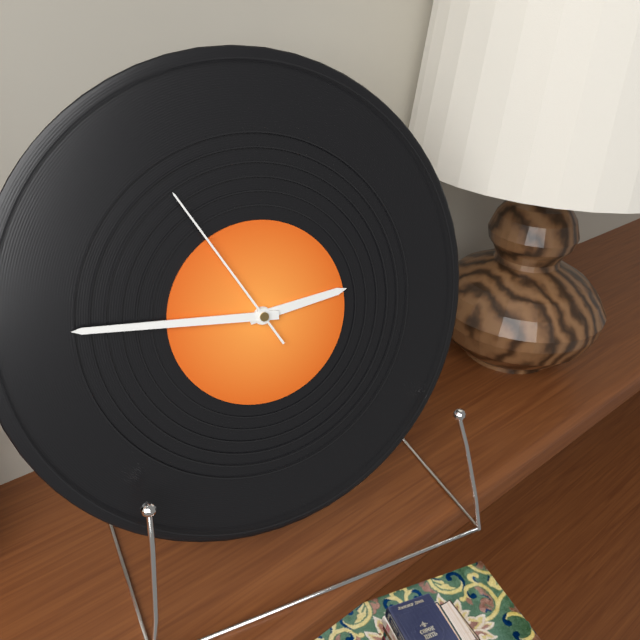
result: h=2 m=46 s=55
